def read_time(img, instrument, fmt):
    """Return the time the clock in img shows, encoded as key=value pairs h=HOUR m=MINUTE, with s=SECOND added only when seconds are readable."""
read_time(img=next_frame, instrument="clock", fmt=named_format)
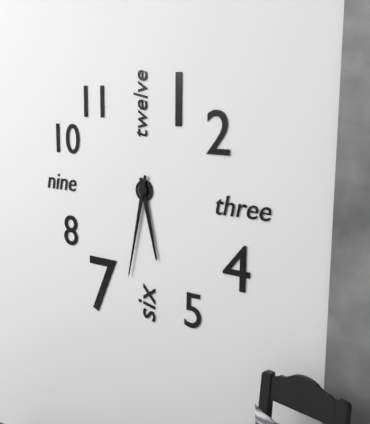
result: h=5 m=32
